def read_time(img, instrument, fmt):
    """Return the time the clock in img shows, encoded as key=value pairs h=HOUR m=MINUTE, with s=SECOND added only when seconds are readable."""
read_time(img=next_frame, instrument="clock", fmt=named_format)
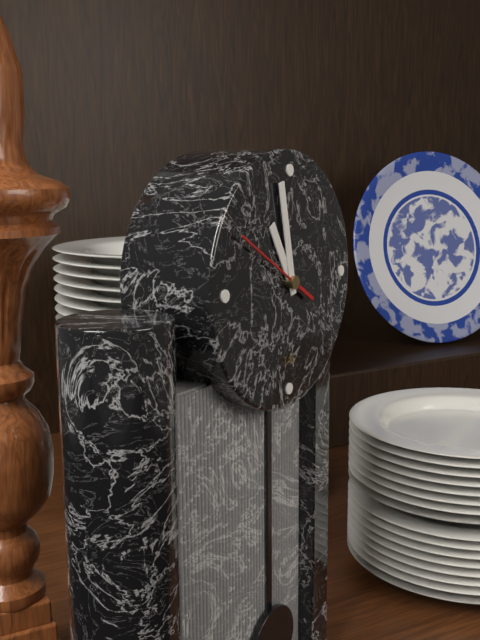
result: h=10 m=58 s=50
